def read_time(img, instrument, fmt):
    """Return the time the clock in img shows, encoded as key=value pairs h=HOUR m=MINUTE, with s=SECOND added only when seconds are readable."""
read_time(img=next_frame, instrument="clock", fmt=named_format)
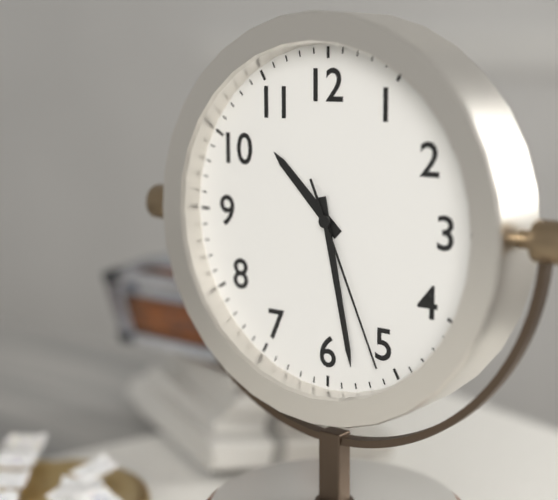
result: h=10 m=28 s=26
